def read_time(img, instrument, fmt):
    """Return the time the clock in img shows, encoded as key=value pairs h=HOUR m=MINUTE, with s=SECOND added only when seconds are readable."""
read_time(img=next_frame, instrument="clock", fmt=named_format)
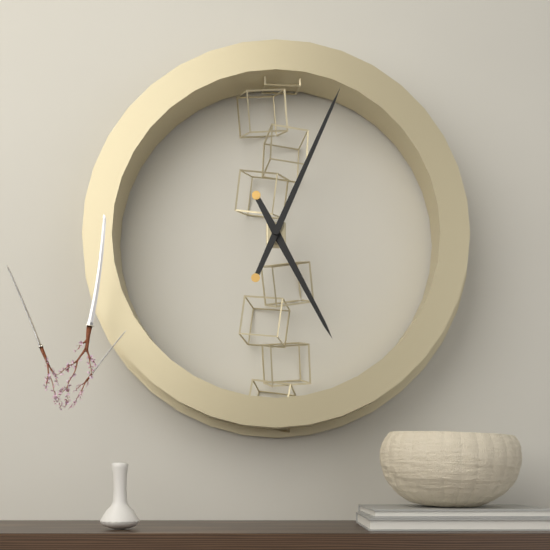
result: h=5 m=4
